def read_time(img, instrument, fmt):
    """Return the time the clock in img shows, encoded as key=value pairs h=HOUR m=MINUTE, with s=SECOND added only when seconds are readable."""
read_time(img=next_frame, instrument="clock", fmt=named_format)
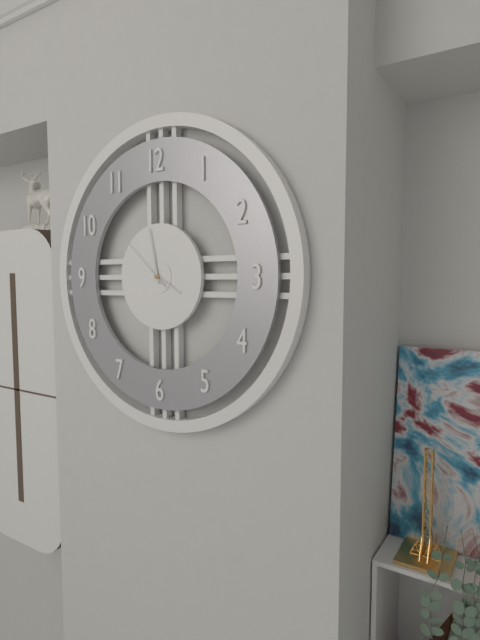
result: h=3 m=58 s=52
